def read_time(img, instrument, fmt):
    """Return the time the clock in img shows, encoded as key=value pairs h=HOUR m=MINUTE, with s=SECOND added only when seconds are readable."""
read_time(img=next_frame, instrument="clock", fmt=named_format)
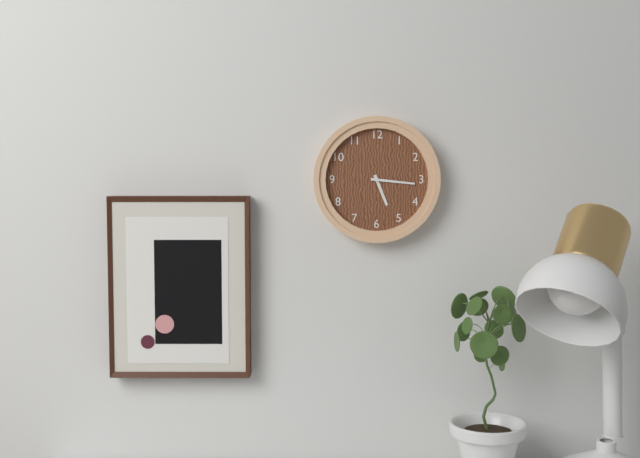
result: h=5 m=16
